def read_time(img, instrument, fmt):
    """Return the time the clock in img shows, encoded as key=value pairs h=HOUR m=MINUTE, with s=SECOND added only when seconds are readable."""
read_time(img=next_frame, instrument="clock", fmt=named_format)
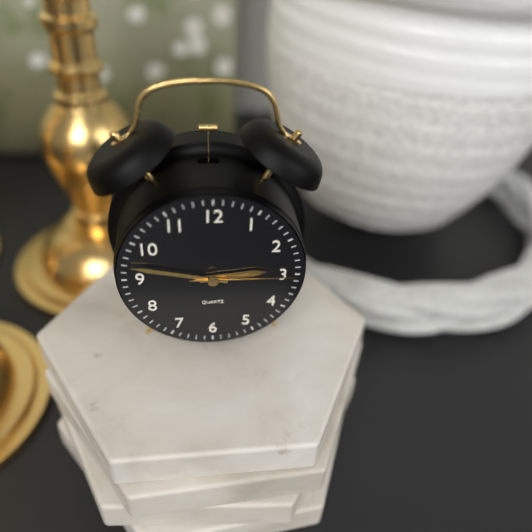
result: h=2 m=47 s=15
